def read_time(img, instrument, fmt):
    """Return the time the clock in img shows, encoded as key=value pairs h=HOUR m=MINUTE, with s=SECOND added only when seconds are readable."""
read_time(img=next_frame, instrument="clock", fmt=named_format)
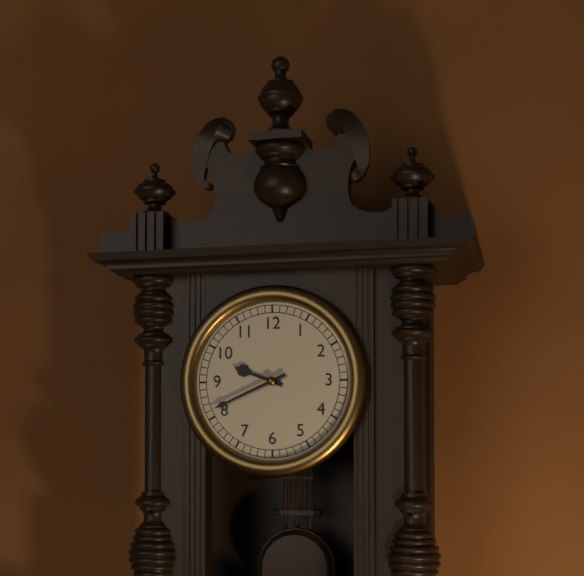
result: h=9 m=41
